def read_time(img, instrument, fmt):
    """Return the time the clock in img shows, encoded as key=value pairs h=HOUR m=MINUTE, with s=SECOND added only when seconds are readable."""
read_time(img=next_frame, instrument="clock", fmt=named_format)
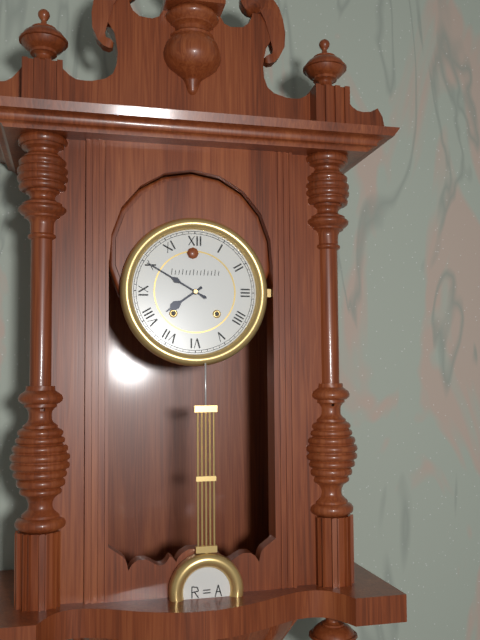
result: h=7 m=50
